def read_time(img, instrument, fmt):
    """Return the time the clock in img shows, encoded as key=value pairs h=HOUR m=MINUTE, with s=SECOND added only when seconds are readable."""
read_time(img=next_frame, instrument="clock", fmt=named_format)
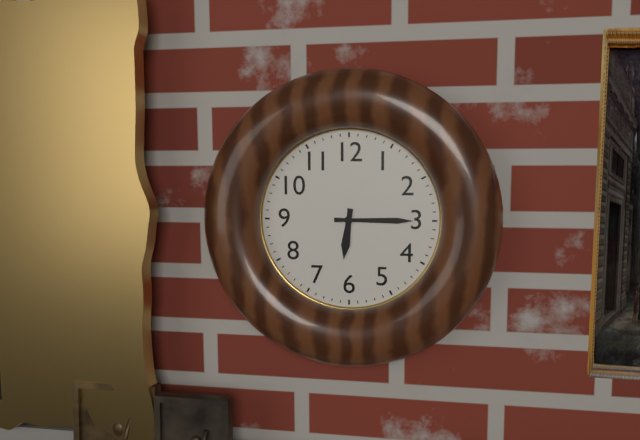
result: h=6 m=15
